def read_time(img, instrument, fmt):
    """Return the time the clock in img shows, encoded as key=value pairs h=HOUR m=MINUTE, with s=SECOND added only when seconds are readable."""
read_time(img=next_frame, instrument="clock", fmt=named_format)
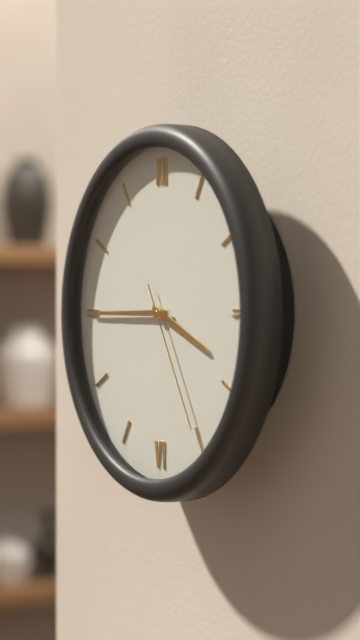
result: h=3 m=45 s=25
